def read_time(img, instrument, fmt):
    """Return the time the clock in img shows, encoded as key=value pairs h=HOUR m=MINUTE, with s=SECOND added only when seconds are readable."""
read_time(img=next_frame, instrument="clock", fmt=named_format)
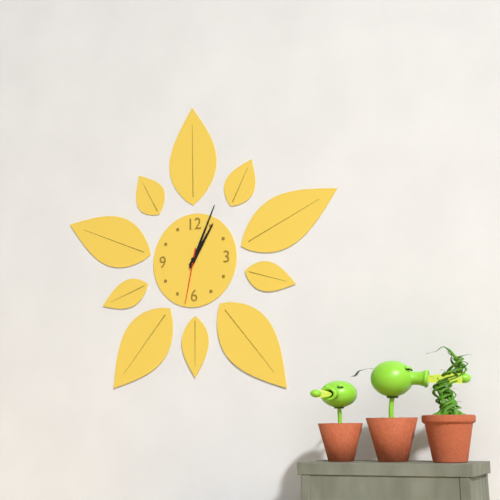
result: h=1 m=4 s=32
